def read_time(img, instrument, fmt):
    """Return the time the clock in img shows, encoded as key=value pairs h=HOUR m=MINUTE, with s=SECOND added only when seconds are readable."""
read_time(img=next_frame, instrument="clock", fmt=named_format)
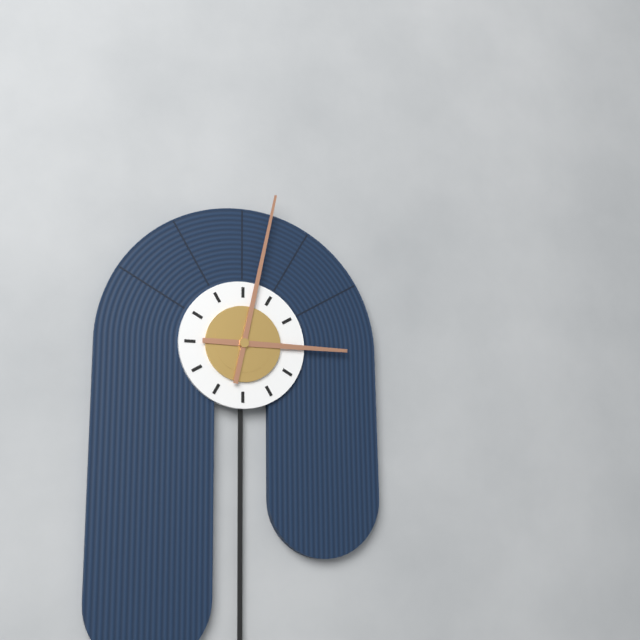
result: h=3 m=2
